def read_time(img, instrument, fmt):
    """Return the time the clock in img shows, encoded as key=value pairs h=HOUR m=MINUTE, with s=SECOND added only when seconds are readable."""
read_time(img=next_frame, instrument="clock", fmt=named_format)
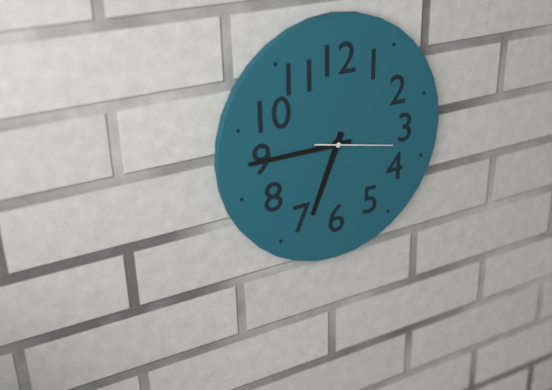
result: h=6 m=45 s=17
